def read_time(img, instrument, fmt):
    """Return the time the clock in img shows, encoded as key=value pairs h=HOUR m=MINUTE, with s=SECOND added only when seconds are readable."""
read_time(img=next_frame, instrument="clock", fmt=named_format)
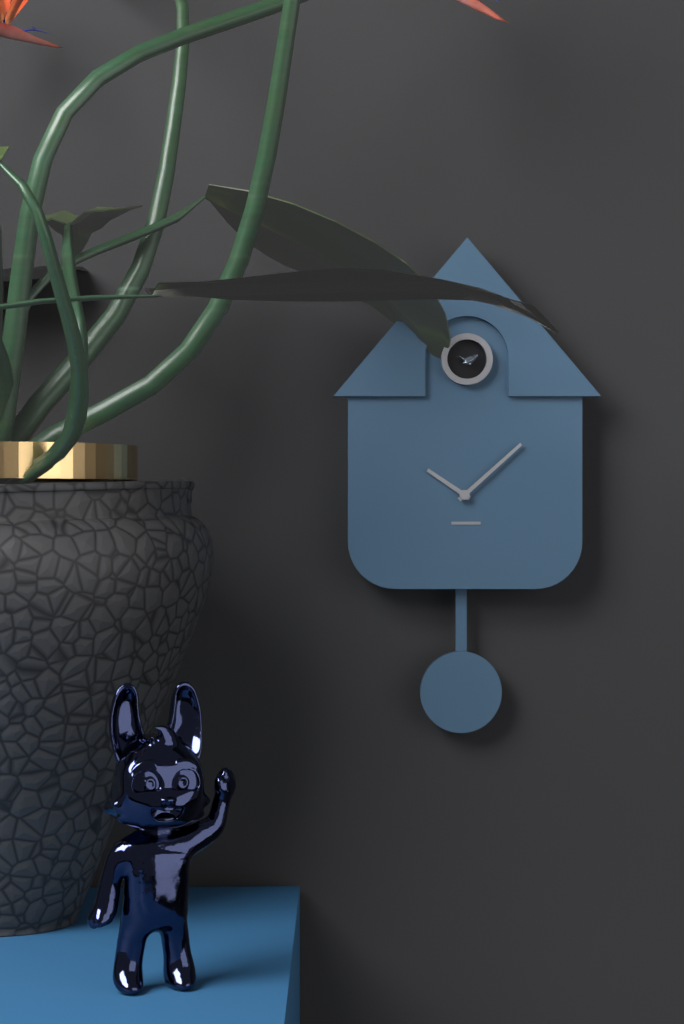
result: h=10 m=8
